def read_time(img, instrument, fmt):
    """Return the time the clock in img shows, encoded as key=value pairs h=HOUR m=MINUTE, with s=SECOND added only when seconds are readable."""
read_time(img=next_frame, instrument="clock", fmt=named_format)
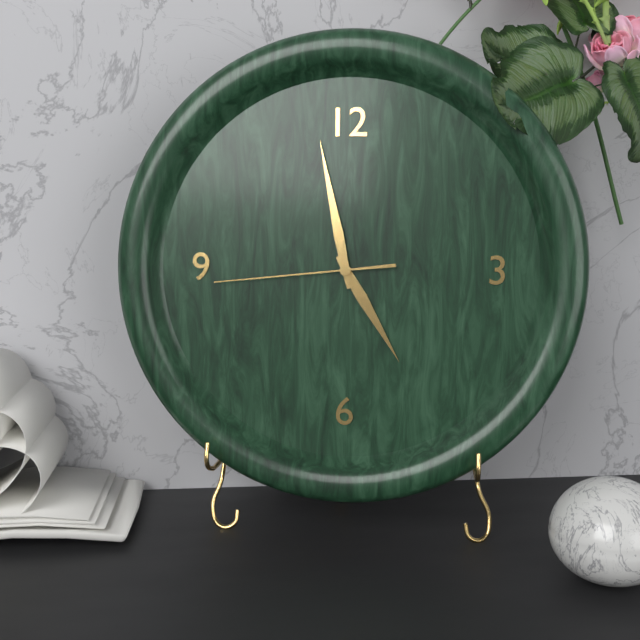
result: h=4 m=58 s=44
